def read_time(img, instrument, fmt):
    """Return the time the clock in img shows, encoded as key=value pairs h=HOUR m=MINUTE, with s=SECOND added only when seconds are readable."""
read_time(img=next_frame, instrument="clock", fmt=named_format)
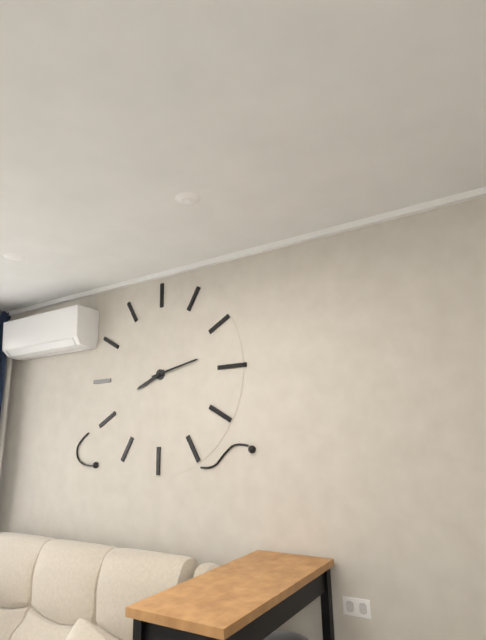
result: h=8 m=13
